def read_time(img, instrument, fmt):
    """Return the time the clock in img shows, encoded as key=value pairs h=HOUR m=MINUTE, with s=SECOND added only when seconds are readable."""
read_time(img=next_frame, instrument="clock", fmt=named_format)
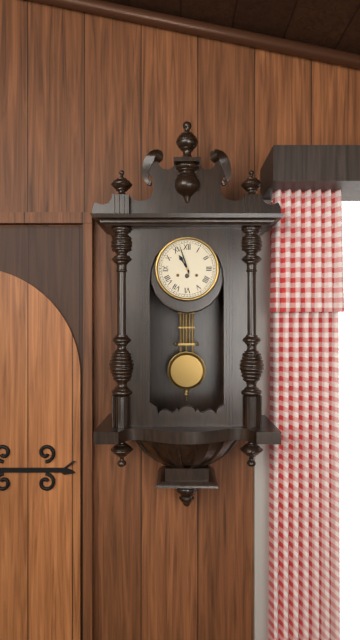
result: h=10 m=57
